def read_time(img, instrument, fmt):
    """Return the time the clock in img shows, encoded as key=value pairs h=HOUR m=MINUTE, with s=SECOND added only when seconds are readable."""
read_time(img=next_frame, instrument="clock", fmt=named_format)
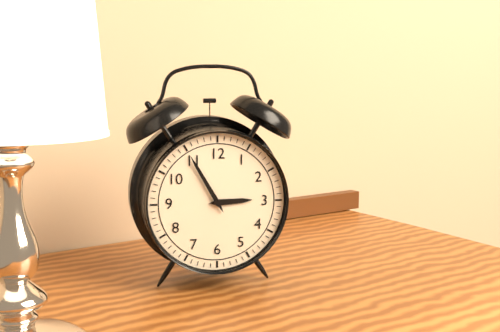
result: h=2 m=55
